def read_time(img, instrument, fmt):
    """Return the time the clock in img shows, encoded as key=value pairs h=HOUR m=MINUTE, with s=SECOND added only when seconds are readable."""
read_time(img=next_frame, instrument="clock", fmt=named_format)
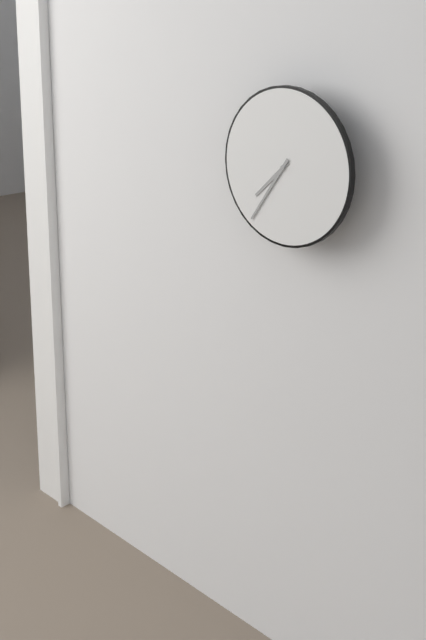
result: h=7 m=36
